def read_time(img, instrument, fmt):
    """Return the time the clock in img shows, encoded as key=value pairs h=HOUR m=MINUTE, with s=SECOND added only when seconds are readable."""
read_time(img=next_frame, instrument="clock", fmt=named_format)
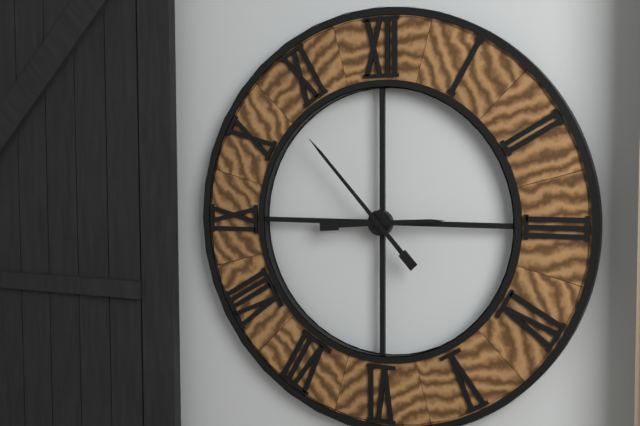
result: h=2 m=53
